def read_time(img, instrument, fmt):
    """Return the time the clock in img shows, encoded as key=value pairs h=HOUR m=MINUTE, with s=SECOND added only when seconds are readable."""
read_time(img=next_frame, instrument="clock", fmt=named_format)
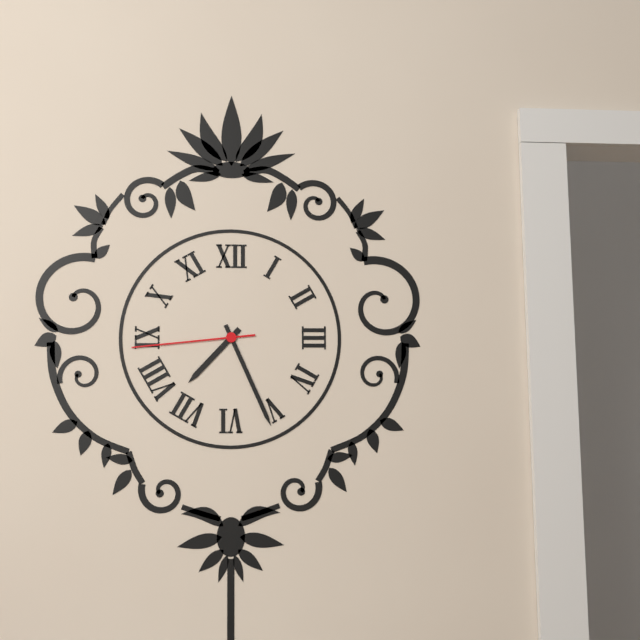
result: h=7 m=26 s=44
